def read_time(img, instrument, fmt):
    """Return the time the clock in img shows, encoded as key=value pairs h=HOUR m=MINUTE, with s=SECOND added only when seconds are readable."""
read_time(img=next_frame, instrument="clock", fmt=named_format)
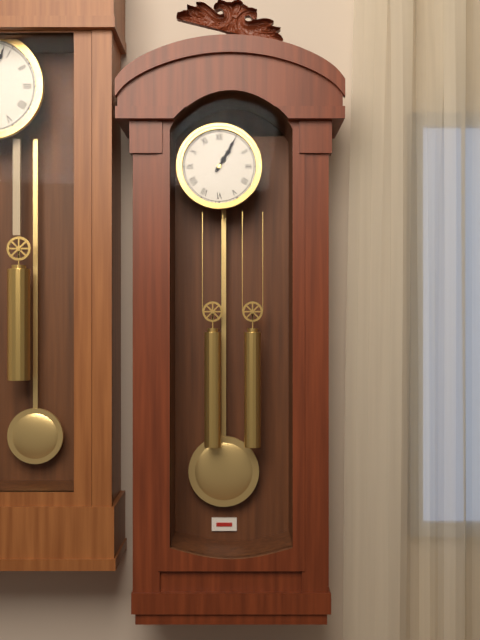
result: h=1 m=5
